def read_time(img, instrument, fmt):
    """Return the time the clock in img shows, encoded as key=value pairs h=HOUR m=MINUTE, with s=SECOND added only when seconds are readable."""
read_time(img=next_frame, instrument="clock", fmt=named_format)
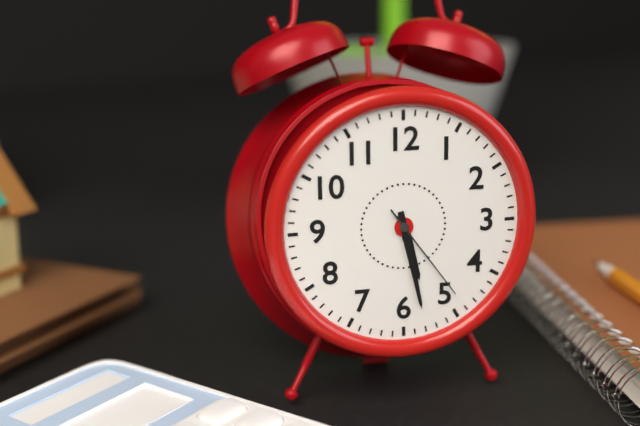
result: h=5 m=28 s=24
